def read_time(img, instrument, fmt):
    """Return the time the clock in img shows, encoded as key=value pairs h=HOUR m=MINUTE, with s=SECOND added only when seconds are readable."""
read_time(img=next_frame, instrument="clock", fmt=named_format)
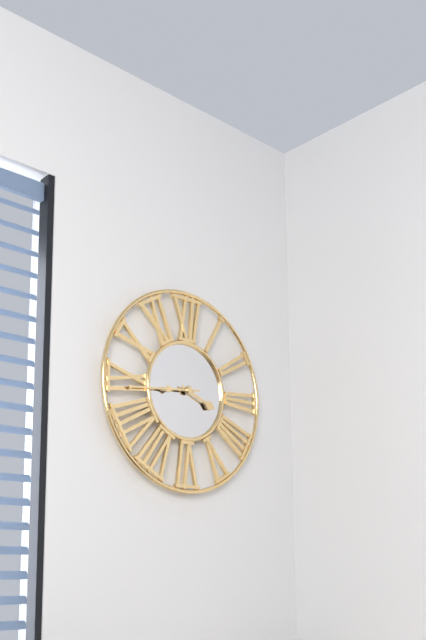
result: h=3 m=44
